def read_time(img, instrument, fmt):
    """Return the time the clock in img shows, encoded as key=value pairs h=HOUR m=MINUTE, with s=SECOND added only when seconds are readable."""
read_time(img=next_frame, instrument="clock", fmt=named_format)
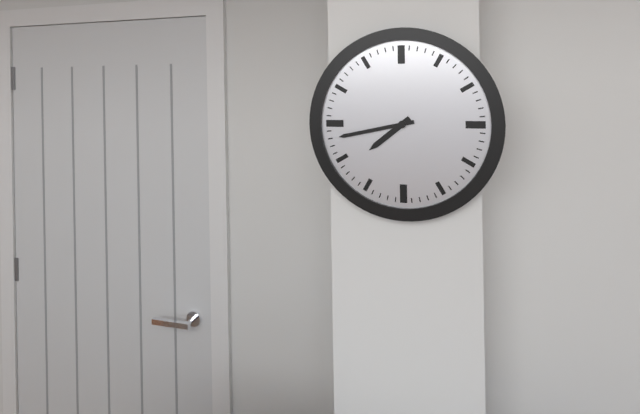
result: h=7 m=43
